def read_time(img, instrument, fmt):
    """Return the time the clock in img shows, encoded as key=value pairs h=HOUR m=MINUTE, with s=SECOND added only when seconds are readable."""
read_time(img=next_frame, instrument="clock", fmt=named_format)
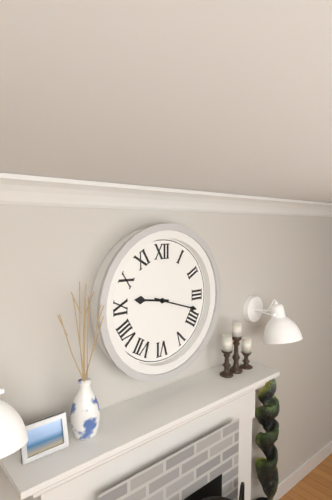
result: h=9 m=18
